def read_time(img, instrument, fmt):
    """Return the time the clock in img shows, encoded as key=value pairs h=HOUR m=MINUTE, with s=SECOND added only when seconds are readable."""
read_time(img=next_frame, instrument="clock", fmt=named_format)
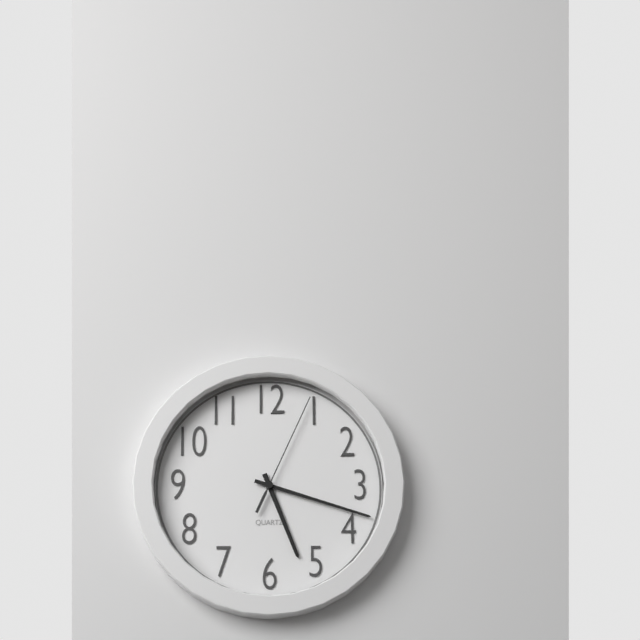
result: h=5 m=18 s=4
